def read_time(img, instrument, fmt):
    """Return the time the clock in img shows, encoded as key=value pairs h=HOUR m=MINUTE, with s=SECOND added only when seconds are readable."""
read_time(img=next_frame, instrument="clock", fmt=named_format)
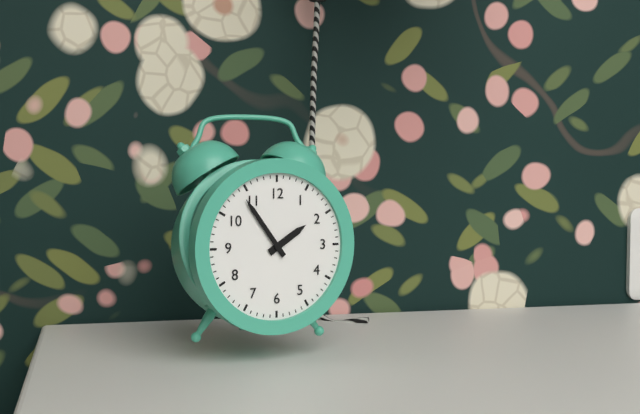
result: h=1 m=54
